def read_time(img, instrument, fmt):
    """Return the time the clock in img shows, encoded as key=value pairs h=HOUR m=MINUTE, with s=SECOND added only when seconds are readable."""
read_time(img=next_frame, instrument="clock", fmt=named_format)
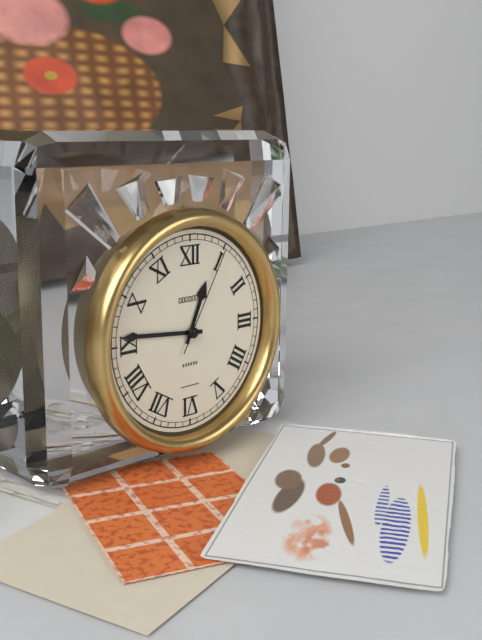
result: h=12 m=46 s=5
